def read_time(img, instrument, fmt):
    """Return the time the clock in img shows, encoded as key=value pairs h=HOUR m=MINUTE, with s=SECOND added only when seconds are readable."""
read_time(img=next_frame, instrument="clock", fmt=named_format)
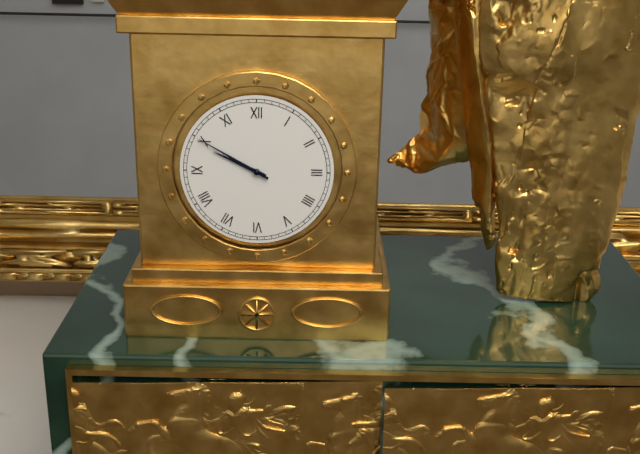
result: h=9 m=50
